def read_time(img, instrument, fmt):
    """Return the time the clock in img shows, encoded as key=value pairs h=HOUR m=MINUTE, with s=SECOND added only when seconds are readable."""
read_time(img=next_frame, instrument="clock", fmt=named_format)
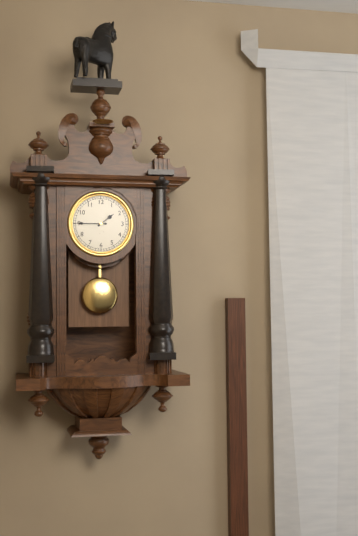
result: h=1 m=45
